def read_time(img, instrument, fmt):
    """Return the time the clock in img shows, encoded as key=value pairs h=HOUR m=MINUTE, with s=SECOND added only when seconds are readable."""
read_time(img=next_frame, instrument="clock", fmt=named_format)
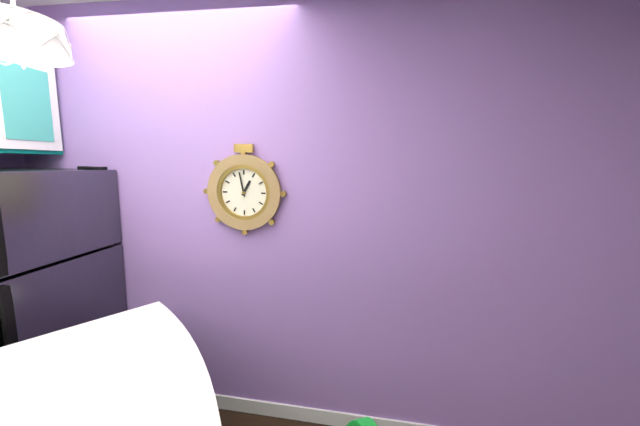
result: h=12 m=58
